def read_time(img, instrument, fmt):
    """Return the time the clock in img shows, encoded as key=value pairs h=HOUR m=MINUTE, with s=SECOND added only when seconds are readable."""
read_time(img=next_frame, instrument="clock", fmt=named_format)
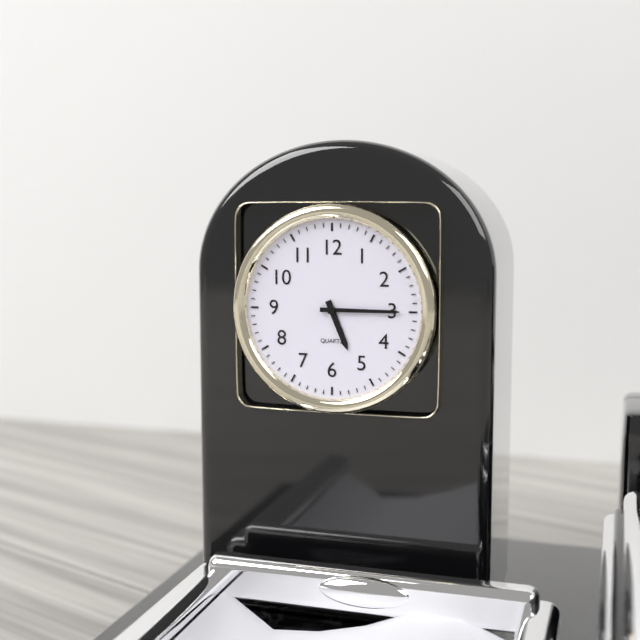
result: h=5 m=15
